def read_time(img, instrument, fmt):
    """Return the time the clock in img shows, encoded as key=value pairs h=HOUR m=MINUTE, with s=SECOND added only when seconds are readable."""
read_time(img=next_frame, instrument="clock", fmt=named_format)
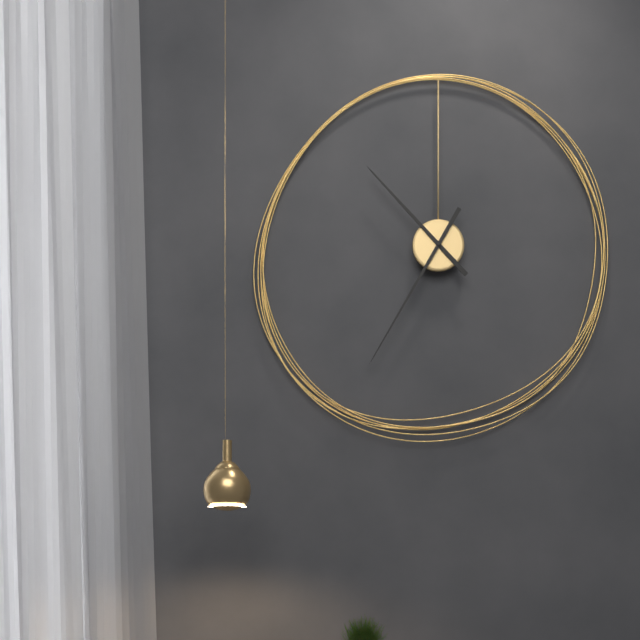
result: h=10 m=35
